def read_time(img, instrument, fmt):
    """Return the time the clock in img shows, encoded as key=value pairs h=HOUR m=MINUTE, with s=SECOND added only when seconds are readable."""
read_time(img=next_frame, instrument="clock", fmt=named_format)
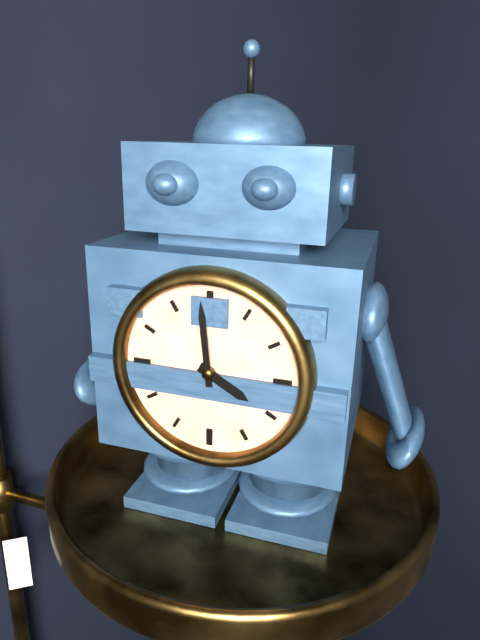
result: h=3 m=59
